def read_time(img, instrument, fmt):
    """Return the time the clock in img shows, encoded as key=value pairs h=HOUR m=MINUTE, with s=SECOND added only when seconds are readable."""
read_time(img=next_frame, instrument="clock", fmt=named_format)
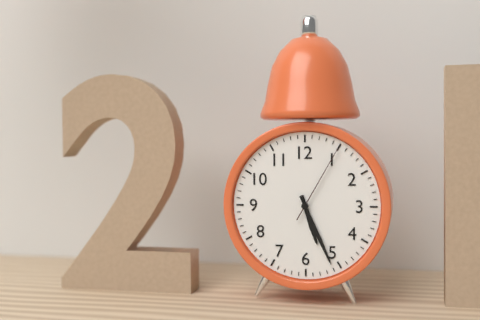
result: h=5 m=26 s=5
